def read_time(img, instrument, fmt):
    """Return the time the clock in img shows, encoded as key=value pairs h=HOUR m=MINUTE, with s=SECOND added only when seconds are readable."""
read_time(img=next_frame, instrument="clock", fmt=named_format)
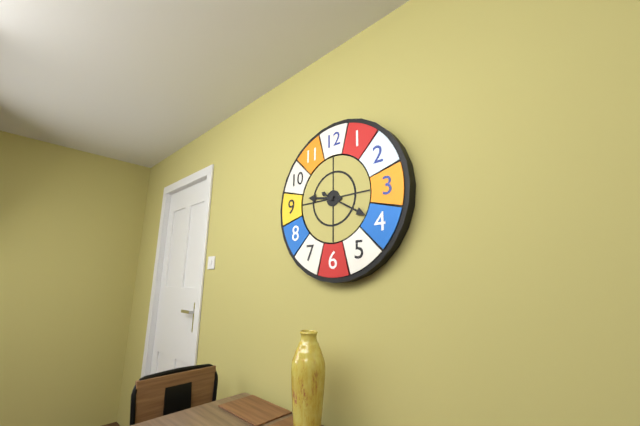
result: h=9 m=20
